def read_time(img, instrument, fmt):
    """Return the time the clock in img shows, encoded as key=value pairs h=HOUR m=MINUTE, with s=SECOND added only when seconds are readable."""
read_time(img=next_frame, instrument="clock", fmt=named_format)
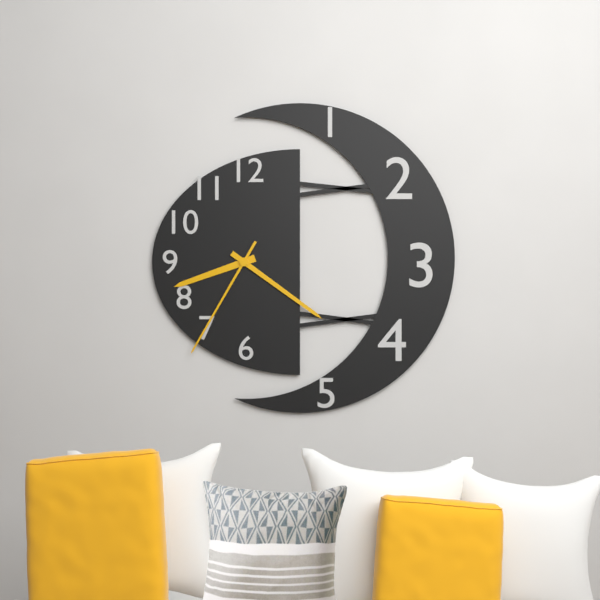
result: h=8 m=21 s=35
